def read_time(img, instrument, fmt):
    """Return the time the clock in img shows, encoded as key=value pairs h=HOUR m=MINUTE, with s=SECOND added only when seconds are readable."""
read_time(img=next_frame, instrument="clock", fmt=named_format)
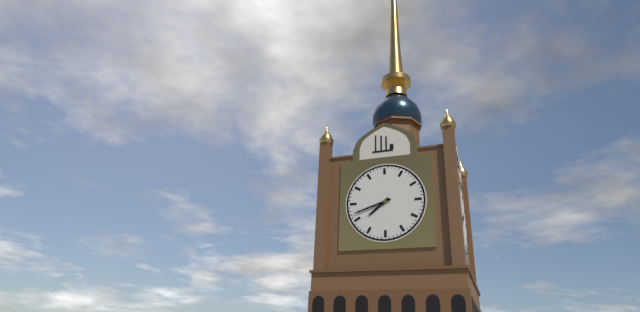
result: h=7 m=42
